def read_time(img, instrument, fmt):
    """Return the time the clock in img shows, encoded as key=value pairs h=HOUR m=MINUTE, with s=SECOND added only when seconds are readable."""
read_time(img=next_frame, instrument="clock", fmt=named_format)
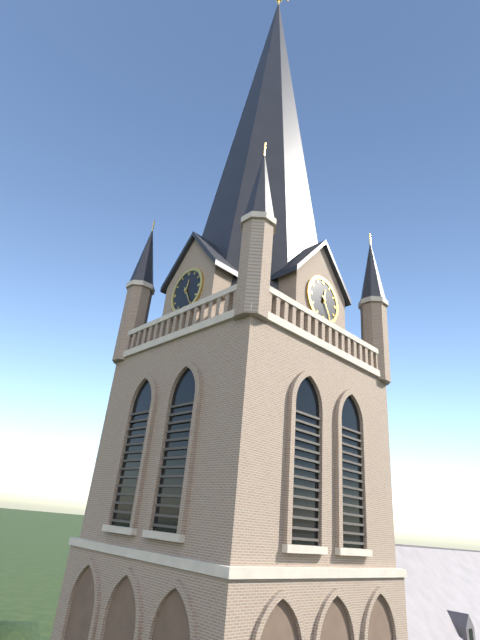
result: h=12 m=25
